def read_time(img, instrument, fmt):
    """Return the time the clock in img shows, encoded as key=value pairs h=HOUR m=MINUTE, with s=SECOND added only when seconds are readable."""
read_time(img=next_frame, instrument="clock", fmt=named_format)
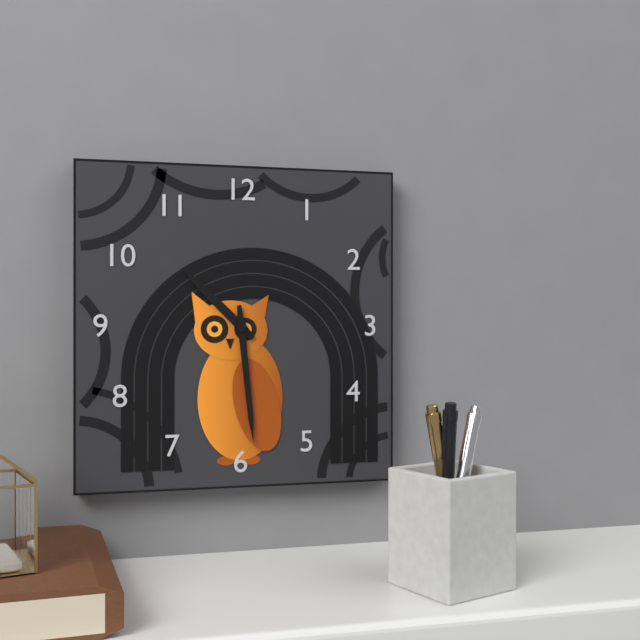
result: h=10 m=29
